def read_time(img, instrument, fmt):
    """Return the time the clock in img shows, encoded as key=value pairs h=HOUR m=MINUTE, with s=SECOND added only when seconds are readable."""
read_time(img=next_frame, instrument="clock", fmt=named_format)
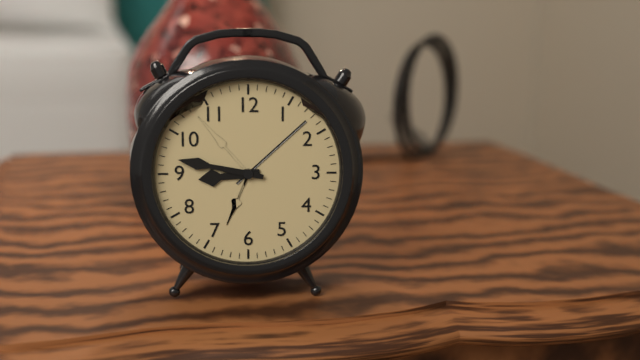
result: h=8 m=47
